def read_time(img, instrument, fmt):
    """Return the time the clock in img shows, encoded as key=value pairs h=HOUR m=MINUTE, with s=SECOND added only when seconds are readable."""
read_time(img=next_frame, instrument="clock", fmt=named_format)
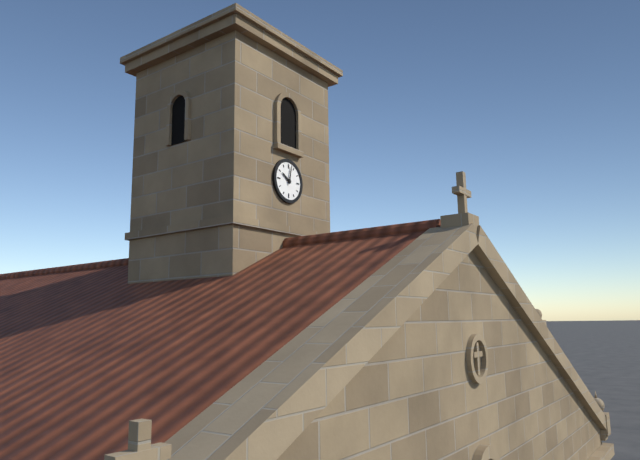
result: h=10 m=2
